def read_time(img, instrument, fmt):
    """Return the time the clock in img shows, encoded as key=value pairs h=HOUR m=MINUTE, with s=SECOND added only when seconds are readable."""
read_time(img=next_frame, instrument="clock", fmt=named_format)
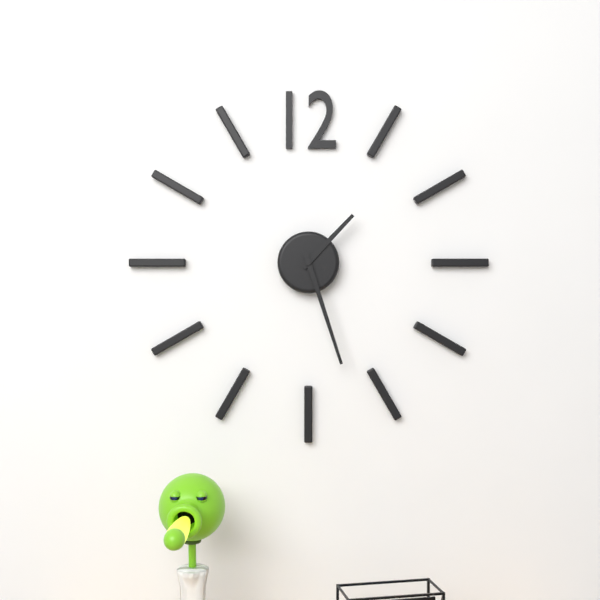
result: h=1 m=27
